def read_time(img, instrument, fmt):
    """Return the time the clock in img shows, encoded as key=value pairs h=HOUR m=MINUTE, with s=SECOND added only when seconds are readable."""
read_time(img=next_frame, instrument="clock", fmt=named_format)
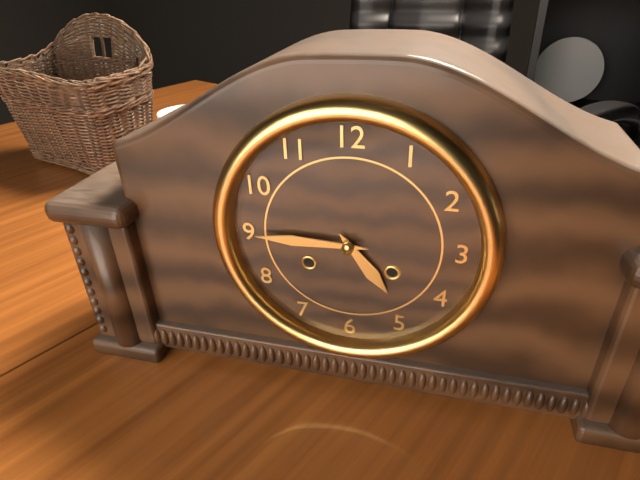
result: h=4 m=45
